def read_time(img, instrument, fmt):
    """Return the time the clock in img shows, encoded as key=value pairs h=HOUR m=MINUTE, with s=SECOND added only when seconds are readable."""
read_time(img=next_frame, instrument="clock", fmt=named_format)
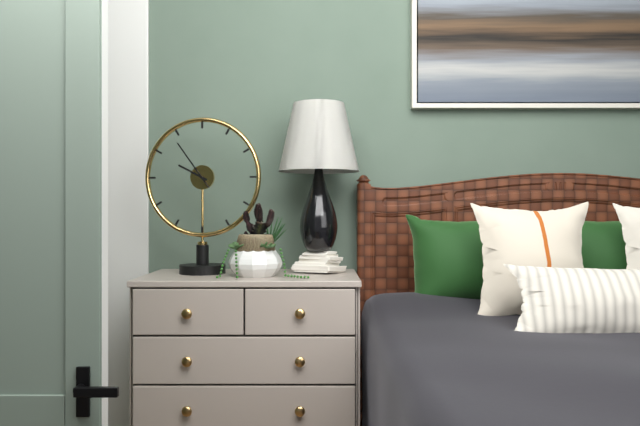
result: h=9 m=54
